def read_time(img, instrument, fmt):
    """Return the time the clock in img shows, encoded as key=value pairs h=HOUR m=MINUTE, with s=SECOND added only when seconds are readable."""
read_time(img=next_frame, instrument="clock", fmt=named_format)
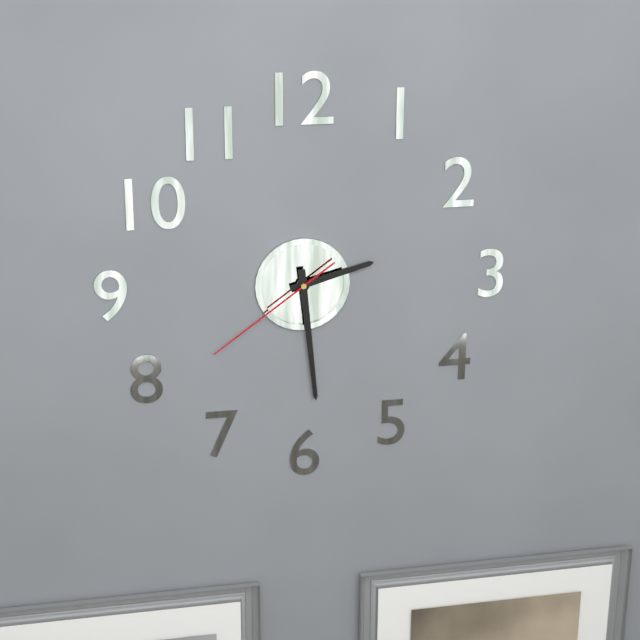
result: h=2 m=29 s=39
